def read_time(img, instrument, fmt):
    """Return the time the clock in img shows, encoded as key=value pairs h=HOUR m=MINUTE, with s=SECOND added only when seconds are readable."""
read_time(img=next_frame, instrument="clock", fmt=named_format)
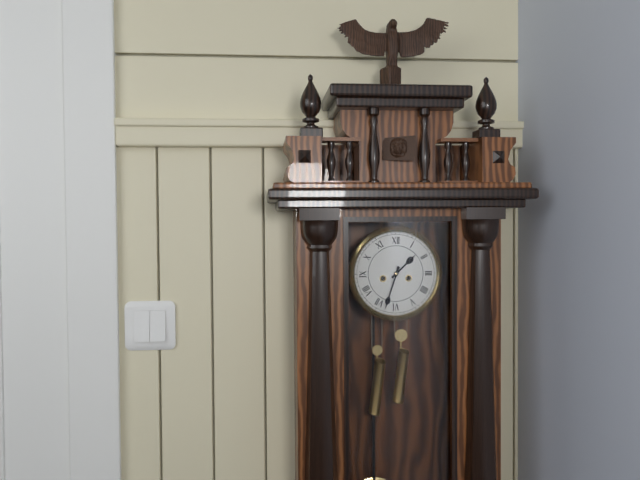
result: h=1 m=33
